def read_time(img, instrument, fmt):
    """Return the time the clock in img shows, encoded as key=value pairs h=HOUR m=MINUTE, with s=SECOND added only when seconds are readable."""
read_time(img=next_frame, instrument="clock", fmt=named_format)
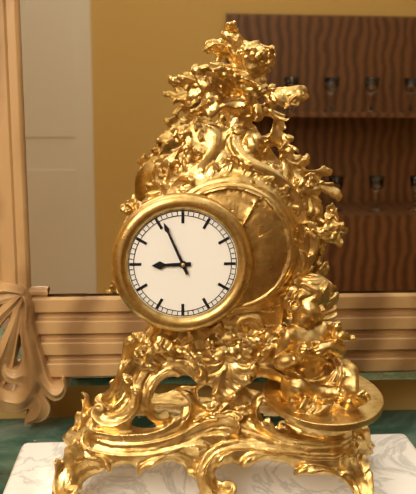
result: h=8 m=56
